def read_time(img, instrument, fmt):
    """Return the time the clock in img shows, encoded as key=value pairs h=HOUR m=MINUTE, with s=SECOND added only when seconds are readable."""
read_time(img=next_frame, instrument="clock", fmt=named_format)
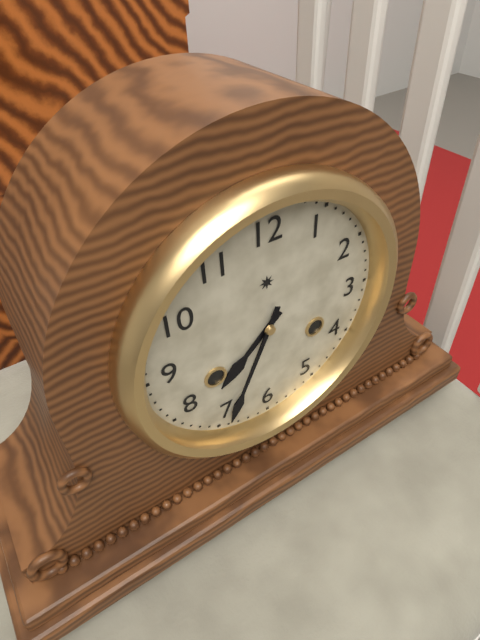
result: h=7 m=34
